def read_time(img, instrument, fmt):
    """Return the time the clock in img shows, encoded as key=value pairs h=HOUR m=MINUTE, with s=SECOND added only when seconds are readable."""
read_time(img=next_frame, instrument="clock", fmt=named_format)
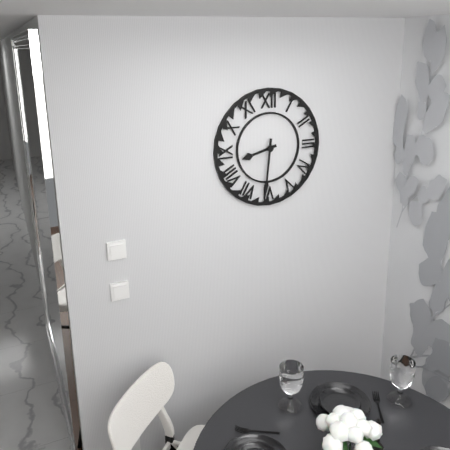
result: h=8 m=31
